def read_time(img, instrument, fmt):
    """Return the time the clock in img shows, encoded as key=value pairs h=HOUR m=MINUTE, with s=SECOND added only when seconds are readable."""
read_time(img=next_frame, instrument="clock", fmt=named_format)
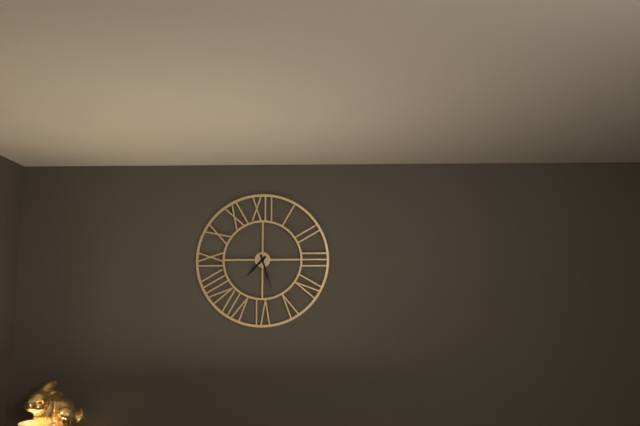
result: h=7 m=27
